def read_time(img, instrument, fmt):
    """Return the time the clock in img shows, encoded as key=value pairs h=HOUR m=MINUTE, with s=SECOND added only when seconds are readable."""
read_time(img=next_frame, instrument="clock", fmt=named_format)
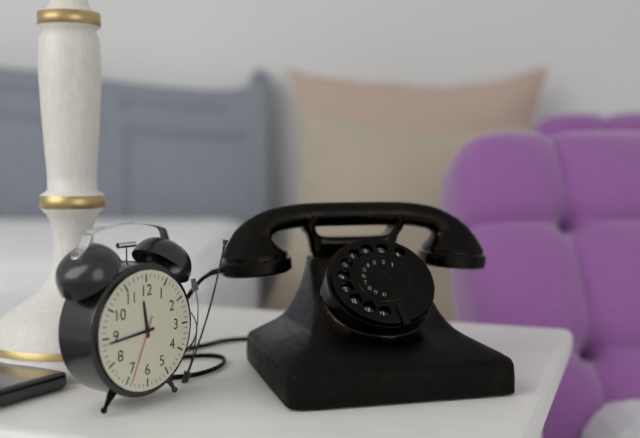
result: h=11 m=44 s=34
